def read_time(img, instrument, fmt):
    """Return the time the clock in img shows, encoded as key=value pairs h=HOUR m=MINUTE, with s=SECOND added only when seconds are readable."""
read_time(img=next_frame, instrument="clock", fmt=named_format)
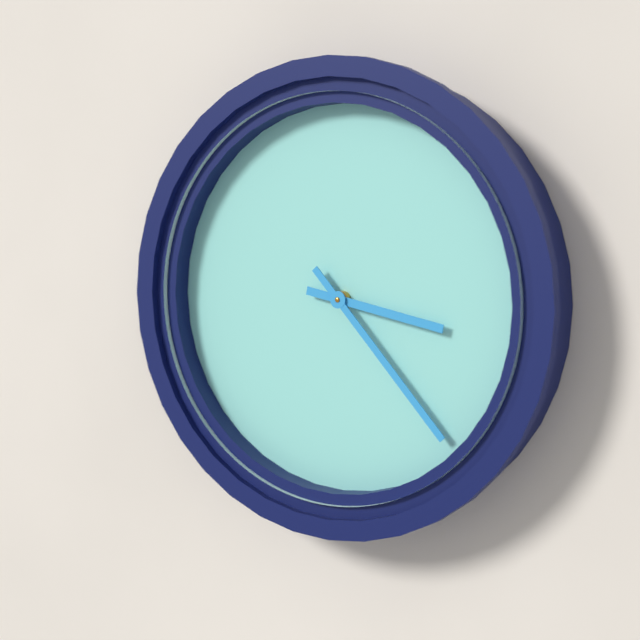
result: h=3 m=23
